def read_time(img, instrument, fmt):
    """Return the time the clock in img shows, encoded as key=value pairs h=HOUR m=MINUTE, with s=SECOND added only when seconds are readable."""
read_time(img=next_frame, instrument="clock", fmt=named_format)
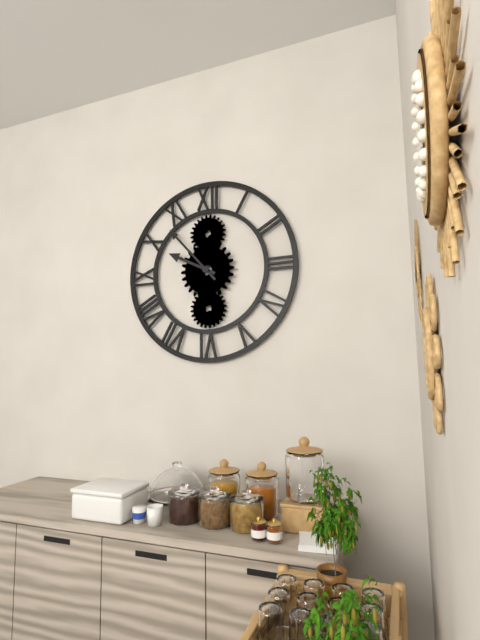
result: h=9 m=53
